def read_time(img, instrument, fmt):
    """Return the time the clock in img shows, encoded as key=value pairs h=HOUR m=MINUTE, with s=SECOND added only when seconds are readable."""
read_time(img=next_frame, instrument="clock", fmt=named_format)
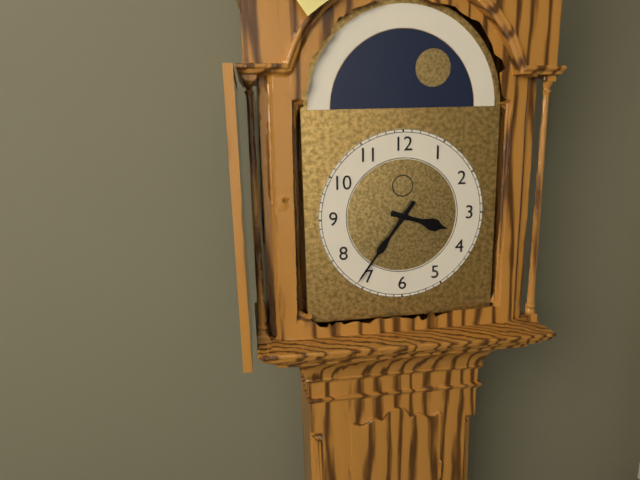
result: h=3 m=36
